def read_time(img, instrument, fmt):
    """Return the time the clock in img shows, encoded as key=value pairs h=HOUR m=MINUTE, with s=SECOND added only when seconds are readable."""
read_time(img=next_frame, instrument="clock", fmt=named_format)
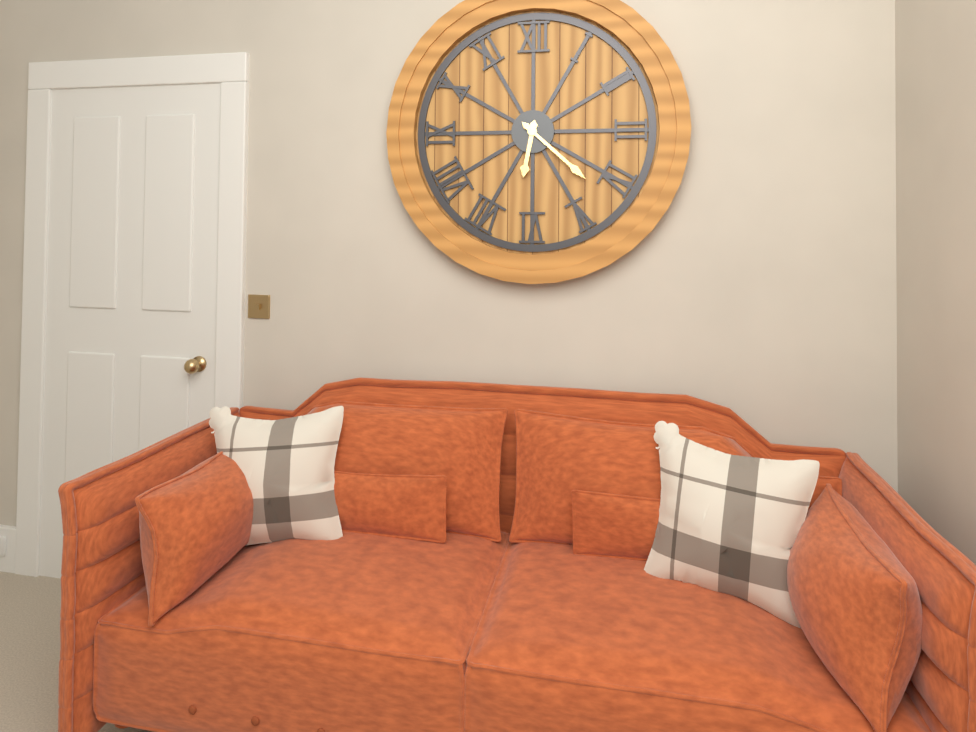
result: h=6 m=22
